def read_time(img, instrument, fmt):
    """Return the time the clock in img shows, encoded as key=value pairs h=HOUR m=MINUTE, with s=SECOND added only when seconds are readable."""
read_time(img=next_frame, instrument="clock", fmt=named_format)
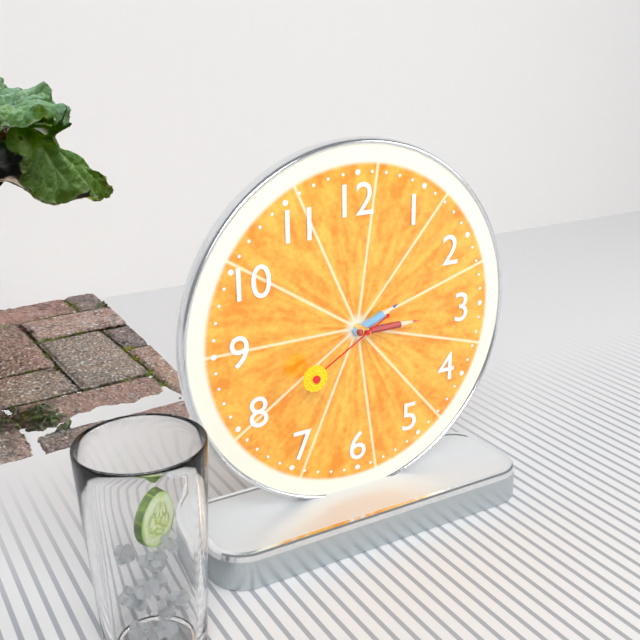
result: h=2 m=15 s=40
